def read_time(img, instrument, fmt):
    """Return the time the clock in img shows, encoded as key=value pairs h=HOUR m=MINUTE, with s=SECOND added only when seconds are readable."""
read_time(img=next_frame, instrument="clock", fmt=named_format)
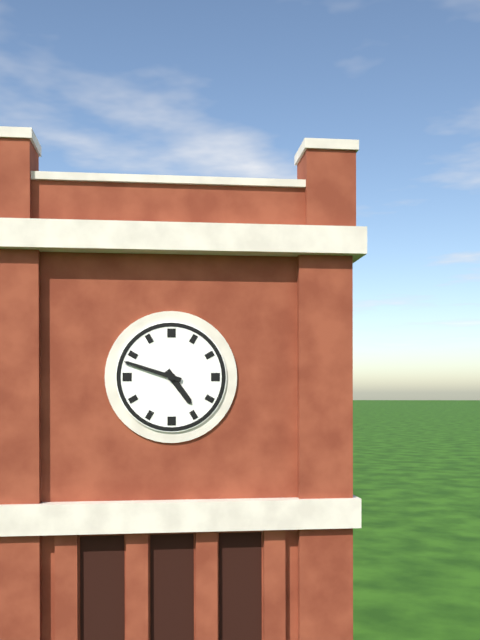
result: h=4 m=48
